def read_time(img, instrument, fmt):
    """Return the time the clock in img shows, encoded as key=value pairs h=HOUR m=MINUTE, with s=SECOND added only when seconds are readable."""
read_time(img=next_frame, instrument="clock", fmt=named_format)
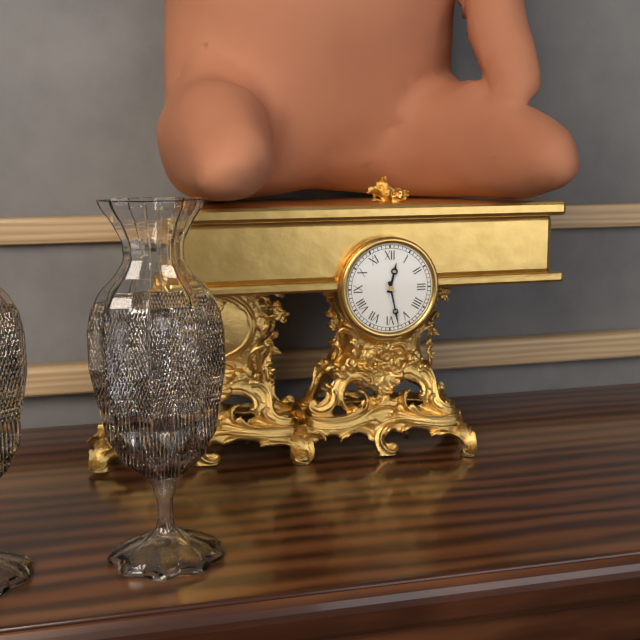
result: h=12 m=28
